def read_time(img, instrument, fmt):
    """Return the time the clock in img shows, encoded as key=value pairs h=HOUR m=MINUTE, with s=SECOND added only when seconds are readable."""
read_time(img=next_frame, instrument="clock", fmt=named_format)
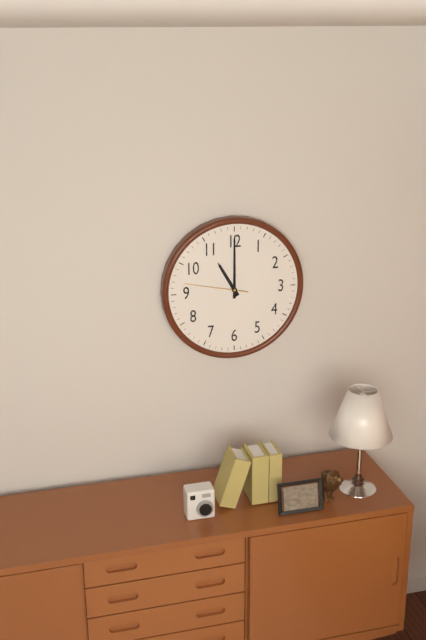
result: h=11 m=0 s=47
